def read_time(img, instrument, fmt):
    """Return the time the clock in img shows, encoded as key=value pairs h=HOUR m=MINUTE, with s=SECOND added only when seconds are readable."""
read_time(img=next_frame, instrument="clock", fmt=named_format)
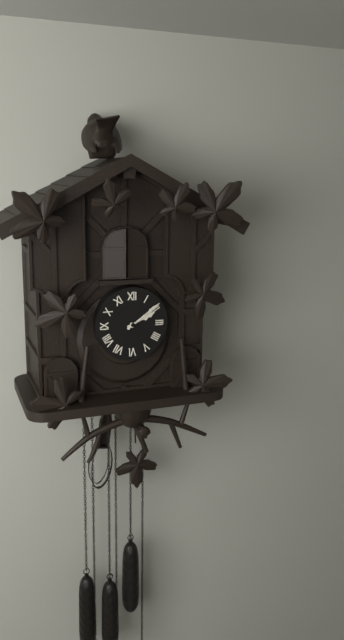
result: h=2 m=9
